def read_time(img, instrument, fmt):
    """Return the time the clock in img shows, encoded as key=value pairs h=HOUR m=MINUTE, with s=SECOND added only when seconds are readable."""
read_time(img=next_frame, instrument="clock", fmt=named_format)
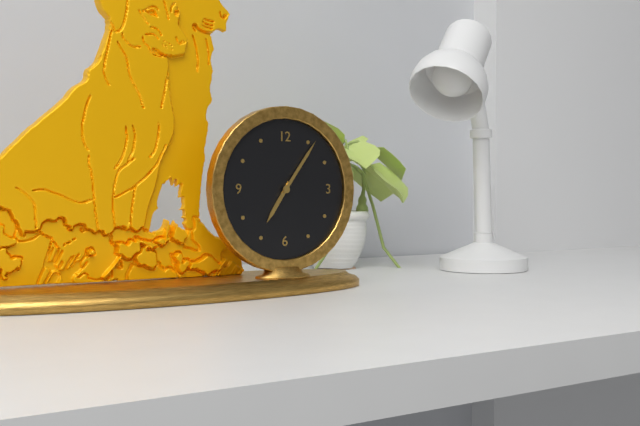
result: h=7 m=6
